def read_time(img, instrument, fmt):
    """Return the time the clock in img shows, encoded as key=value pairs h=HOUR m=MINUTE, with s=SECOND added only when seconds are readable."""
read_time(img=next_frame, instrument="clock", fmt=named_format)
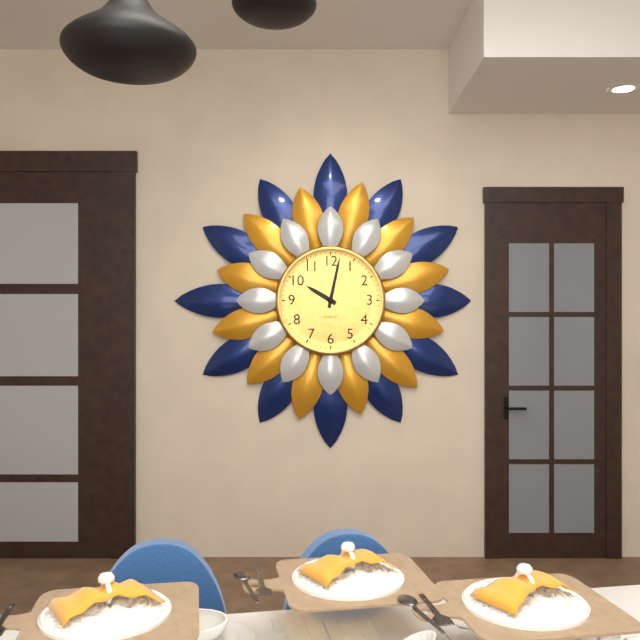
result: h=10 m=2
